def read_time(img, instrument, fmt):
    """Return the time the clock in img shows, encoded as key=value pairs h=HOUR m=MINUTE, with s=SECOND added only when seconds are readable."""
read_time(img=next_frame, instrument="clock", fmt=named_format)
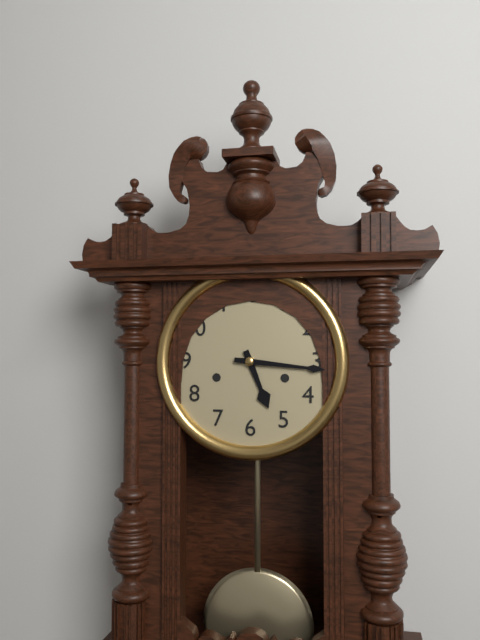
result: h=5 m=16
